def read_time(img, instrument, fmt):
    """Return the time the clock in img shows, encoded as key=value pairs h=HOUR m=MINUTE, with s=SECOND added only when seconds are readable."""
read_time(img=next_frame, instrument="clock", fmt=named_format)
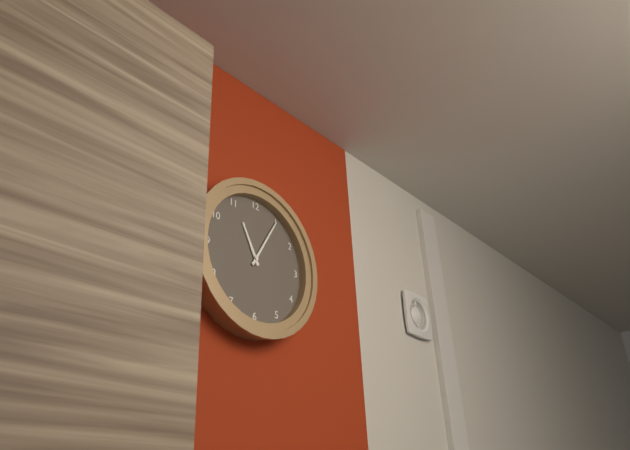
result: h=11 m=5
